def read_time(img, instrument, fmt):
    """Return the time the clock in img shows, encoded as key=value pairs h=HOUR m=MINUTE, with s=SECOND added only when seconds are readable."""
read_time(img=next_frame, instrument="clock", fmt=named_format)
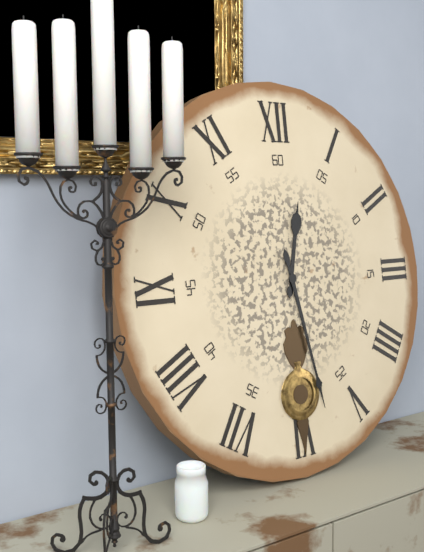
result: h=12 m=28
